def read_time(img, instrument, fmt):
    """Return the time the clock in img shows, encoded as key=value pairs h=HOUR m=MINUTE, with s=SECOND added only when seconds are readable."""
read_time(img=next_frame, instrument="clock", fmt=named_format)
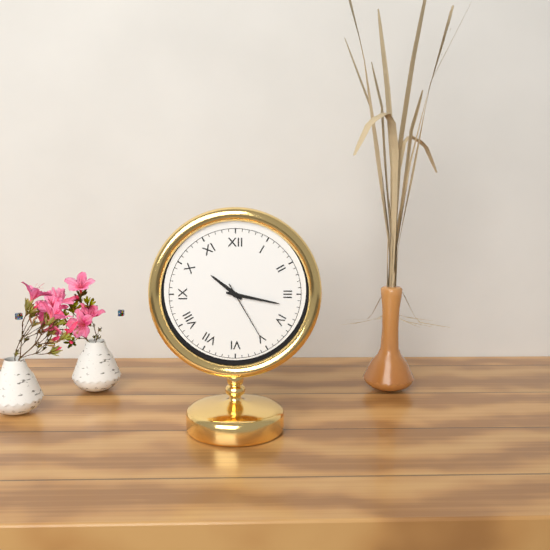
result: h=10 m=17 s=25
